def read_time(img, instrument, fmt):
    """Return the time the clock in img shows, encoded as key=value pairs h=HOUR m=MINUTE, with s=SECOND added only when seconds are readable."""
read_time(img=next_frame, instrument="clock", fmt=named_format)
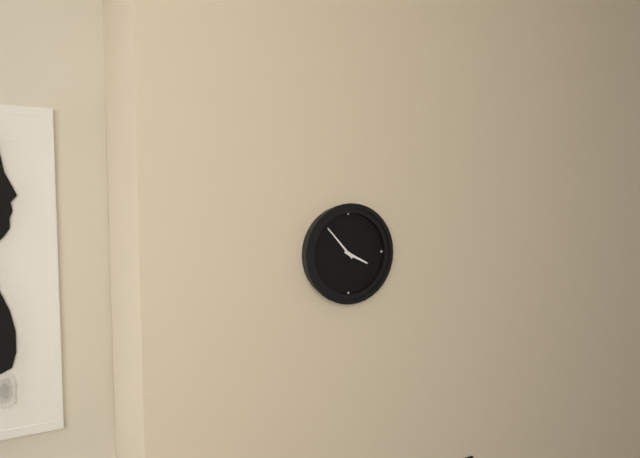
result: h=3 m=53
